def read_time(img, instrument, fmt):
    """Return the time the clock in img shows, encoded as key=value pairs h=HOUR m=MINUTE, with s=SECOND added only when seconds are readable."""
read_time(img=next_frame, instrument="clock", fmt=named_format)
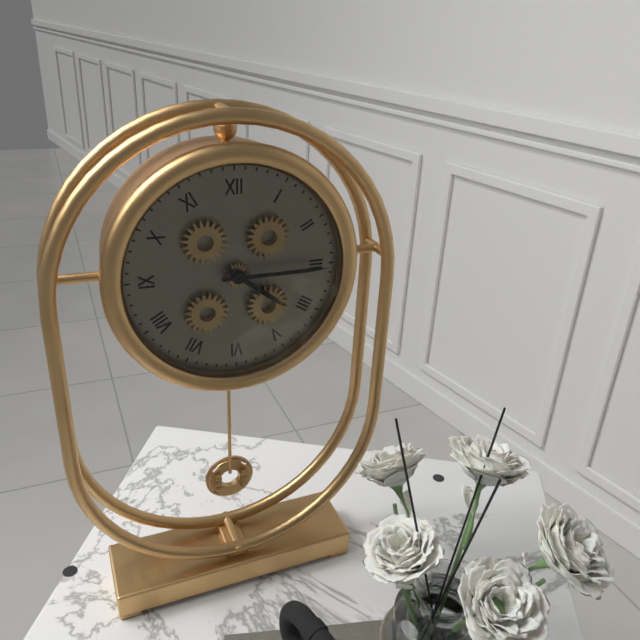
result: h=4 m=15
